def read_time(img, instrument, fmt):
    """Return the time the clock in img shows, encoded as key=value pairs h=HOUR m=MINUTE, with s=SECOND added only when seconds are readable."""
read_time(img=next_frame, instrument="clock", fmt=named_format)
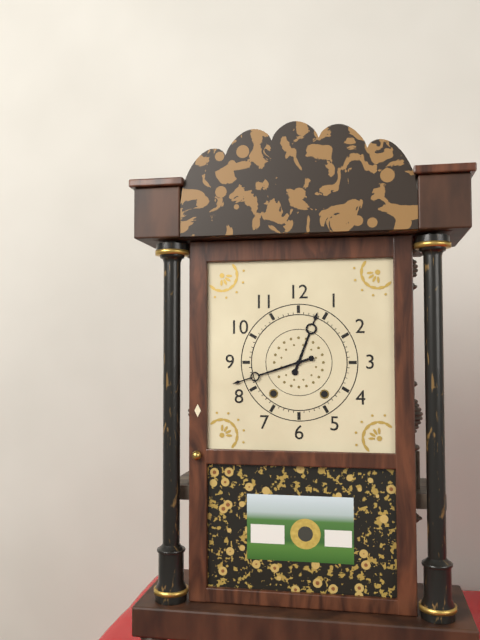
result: h=12 m=42
